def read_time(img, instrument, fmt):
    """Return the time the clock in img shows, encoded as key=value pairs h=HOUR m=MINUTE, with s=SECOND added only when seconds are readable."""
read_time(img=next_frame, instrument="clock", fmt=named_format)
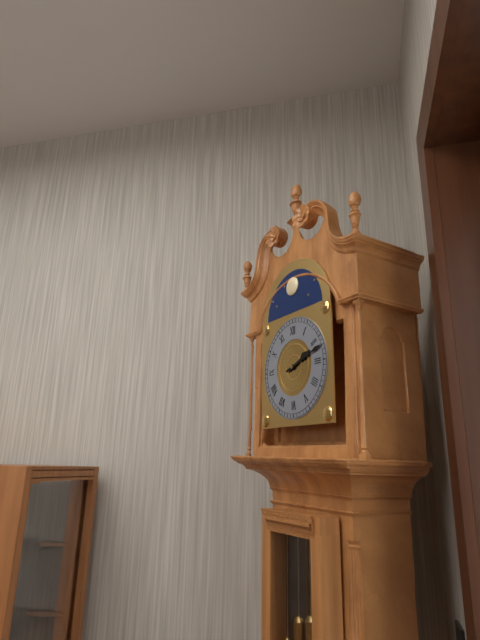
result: h=2 m=12
